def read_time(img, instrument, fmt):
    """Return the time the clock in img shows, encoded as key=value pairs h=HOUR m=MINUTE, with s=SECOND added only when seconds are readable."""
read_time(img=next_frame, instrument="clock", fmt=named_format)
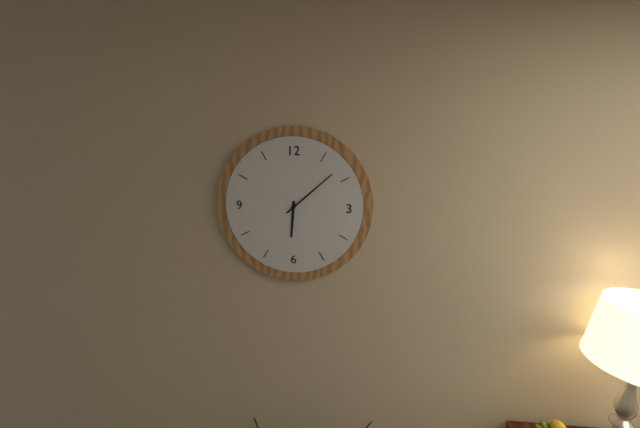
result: h=6 m=8
